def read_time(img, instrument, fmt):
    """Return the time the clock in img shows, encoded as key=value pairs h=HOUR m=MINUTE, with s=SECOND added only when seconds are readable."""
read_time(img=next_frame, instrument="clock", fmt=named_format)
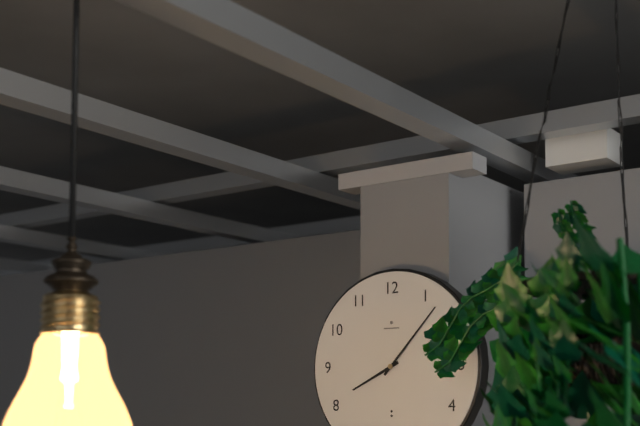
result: h=8 m=7
